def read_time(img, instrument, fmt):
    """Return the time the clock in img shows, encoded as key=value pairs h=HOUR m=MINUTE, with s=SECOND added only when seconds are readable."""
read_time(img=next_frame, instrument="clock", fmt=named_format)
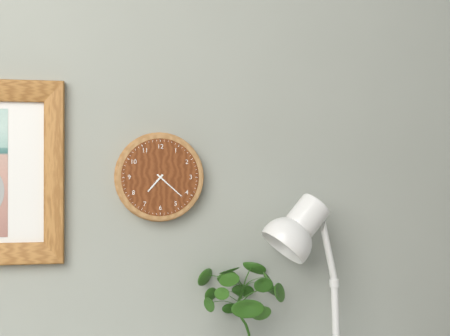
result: h=7 m=22
